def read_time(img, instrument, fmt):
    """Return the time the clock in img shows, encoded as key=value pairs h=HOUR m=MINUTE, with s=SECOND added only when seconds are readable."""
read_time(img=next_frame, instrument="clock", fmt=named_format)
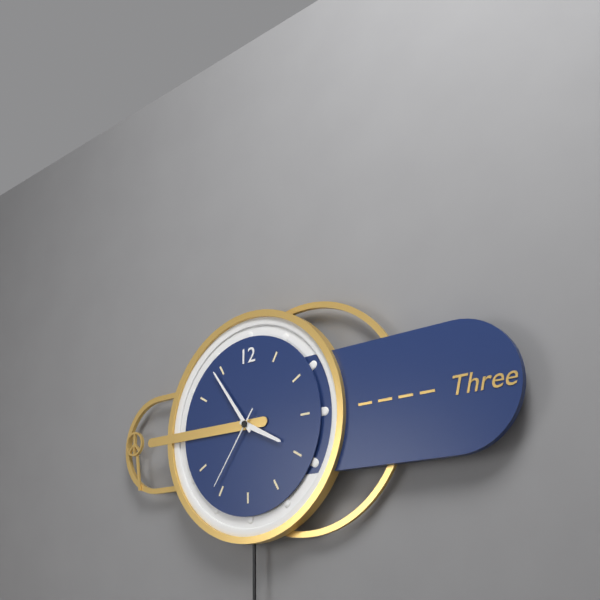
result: h=3 m=54 s=36
